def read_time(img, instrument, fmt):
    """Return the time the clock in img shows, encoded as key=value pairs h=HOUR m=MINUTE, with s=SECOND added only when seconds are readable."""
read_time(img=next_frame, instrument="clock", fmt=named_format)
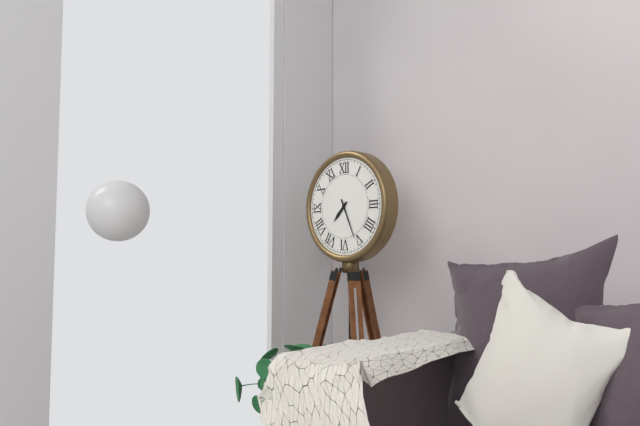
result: h=7 m=26
